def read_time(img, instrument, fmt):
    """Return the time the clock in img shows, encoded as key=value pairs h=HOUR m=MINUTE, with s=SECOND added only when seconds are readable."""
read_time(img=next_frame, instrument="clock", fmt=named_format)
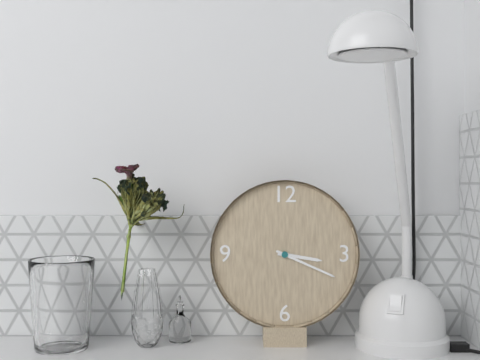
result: h=3 m=19
